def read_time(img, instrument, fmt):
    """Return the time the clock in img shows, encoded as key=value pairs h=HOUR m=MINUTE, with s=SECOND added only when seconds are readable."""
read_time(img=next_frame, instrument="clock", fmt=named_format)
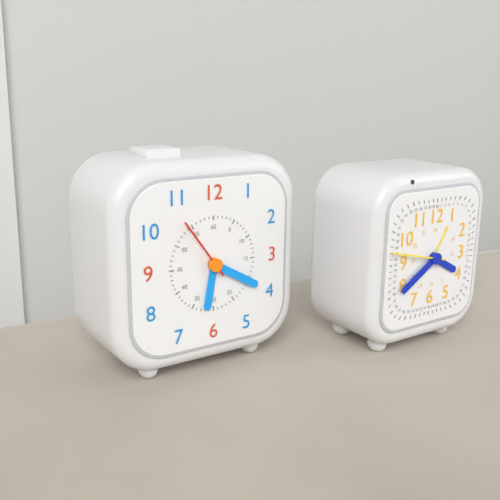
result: h=6 m=20 s=54
